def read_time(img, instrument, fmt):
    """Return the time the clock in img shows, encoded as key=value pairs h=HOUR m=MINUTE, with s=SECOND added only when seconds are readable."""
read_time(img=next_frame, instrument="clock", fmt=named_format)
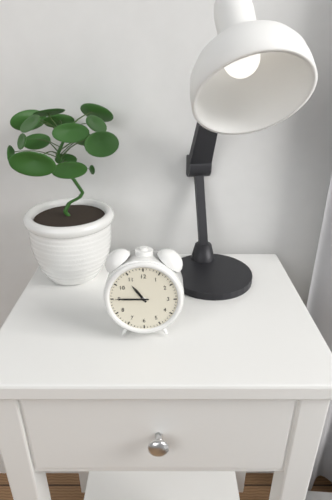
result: h=10 m=45
